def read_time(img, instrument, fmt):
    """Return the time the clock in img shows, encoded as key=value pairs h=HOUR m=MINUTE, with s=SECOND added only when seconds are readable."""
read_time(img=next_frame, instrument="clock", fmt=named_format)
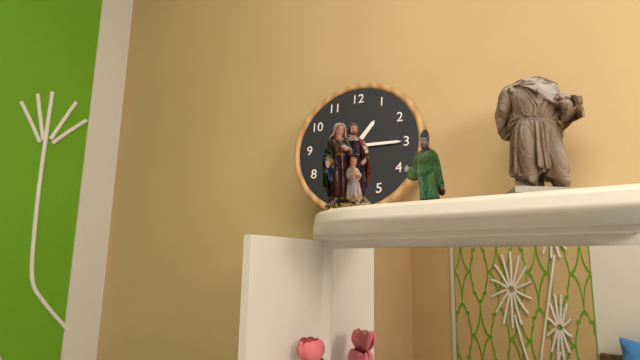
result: h=1 m=15
